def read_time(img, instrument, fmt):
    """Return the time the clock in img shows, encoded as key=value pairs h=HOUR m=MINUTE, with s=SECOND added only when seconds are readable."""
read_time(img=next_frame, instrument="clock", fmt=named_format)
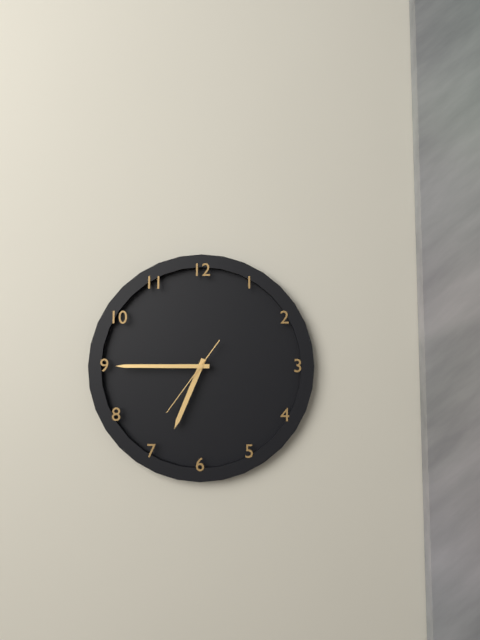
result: h=6 m=45 s=36
